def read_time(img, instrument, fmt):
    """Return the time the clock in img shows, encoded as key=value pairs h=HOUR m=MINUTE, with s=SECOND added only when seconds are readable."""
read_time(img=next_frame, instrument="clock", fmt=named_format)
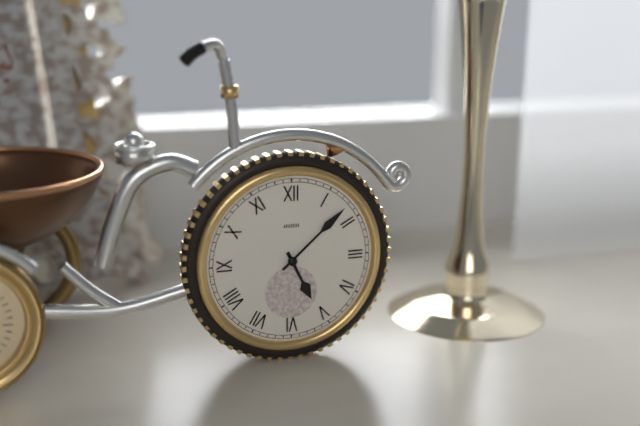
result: h=5 m=8
